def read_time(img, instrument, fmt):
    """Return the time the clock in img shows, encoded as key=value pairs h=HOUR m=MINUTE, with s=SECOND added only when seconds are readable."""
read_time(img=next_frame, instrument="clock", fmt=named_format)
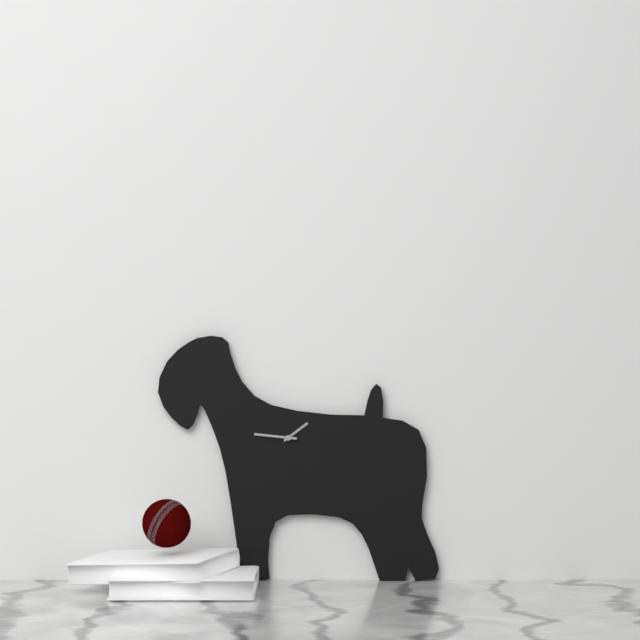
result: h=1 m=46
